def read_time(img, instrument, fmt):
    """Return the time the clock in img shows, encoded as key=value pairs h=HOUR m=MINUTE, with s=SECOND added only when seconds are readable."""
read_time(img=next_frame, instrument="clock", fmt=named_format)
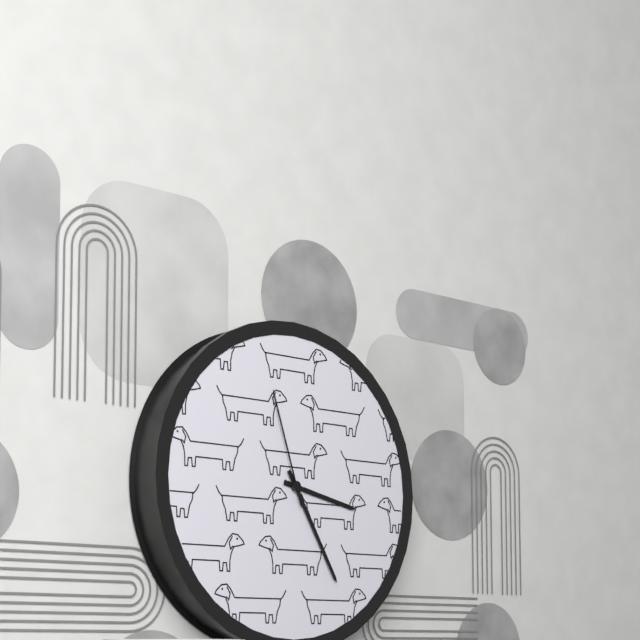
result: h=3 m=25 s=57
